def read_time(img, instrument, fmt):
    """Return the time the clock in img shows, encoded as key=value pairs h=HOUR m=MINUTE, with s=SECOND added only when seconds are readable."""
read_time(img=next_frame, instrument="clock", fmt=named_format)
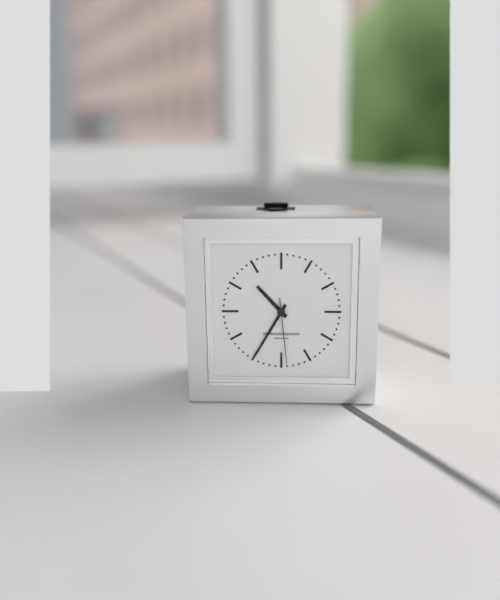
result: h=10 m=35 s=29
